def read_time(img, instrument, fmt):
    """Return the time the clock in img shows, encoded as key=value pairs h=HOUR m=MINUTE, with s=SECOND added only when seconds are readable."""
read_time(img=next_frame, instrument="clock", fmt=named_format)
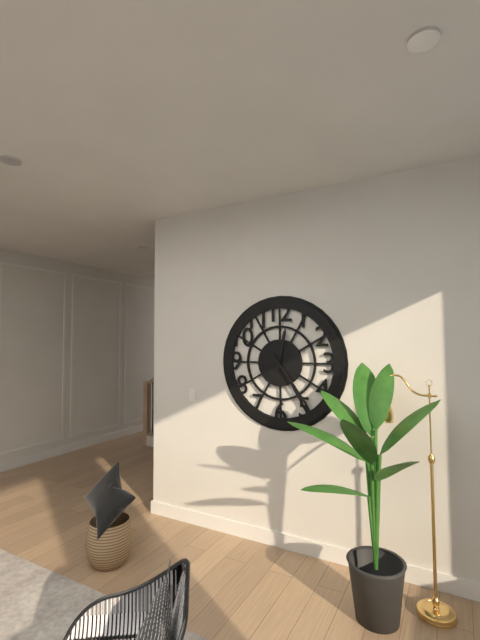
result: h=12 m=24
